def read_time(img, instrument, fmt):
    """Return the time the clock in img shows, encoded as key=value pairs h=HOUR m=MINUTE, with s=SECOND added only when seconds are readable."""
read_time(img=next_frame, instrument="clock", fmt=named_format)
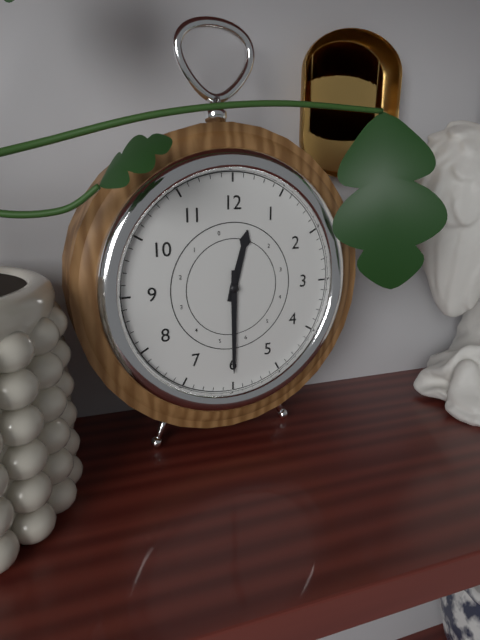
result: h=12 m=30
